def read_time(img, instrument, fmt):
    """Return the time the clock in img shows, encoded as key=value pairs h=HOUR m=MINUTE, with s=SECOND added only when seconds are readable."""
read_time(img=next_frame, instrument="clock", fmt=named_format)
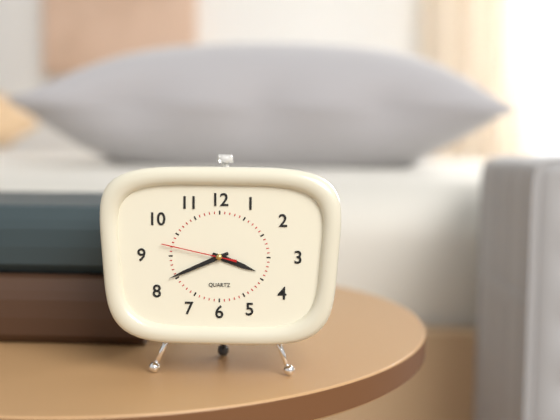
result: h=3 m=41 s=47
